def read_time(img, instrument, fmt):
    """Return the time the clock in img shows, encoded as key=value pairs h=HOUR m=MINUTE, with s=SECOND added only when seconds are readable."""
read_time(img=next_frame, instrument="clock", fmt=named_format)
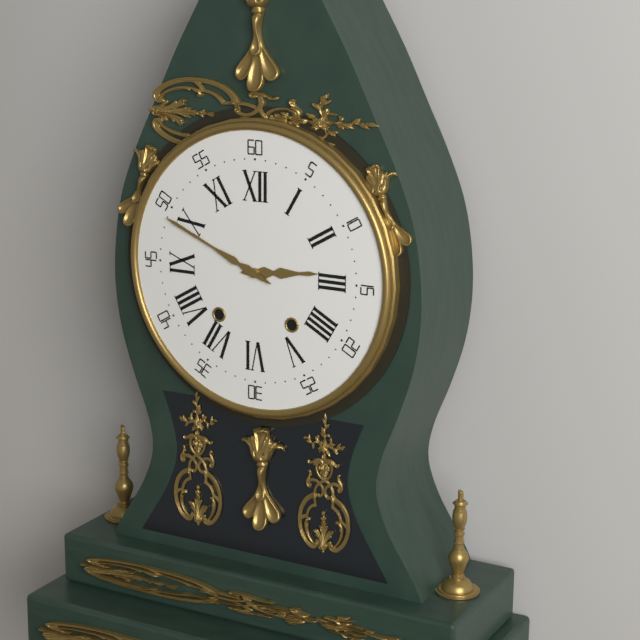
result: h=2 m=49
